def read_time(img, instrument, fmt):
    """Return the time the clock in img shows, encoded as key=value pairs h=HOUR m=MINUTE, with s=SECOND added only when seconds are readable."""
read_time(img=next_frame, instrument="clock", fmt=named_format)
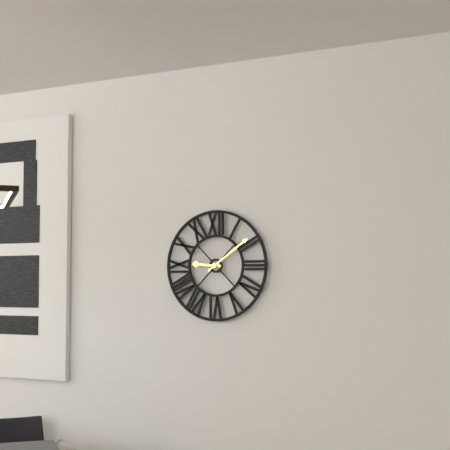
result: h=9 m=9
